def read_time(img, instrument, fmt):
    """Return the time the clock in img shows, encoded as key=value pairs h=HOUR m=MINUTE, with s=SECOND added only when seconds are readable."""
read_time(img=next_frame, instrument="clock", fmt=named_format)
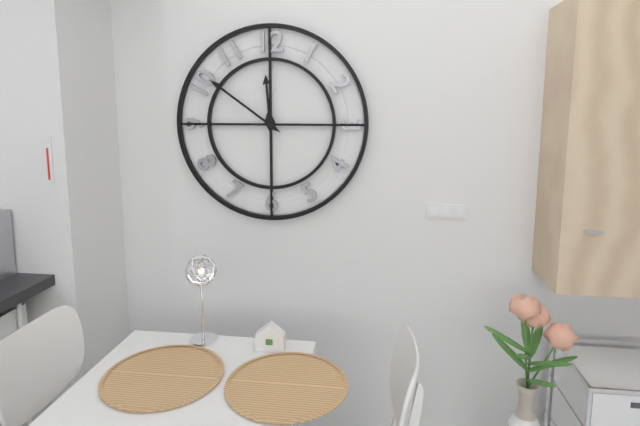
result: h=11 m=51
